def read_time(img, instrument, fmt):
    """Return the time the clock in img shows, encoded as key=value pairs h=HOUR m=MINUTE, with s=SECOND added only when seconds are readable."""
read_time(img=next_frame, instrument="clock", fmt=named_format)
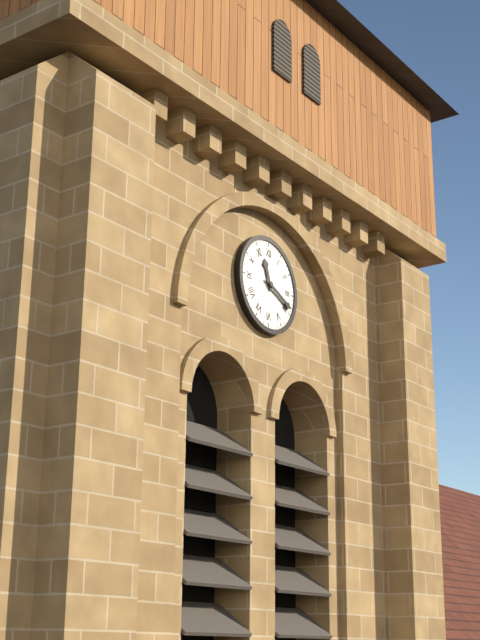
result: h=11 m=19
